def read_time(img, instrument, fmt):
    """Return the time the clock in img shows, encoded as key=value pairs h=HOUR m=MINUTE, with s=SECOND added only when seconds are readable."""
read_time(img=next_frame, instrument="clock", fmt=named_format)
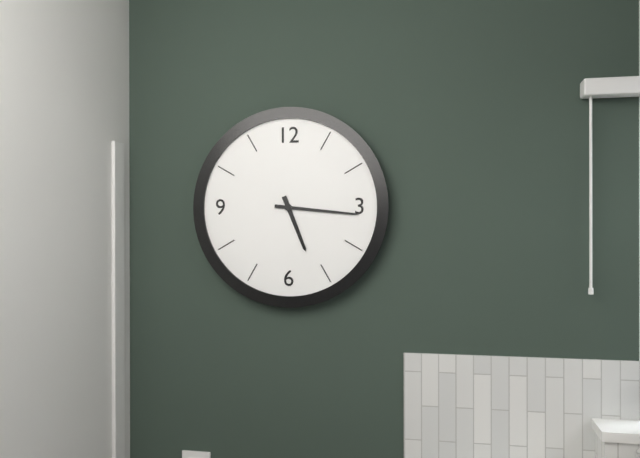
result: h=5 m=16
